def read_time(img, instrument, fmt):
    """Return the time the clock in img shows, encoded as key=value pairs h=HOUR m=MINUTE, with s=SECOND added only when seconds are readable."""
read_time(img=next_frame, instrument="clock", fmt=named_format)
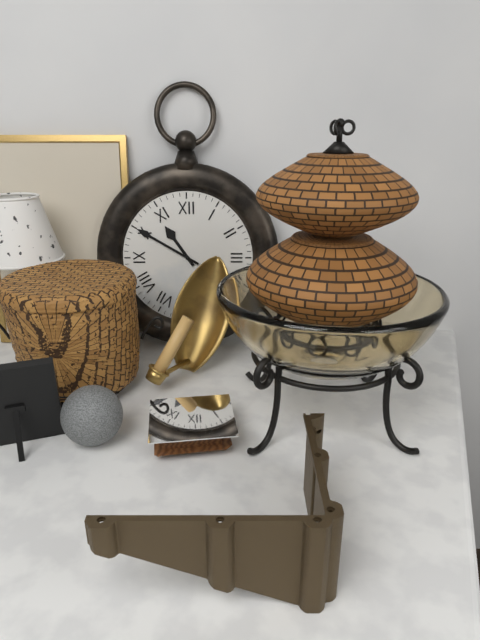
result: h=10 m=50
